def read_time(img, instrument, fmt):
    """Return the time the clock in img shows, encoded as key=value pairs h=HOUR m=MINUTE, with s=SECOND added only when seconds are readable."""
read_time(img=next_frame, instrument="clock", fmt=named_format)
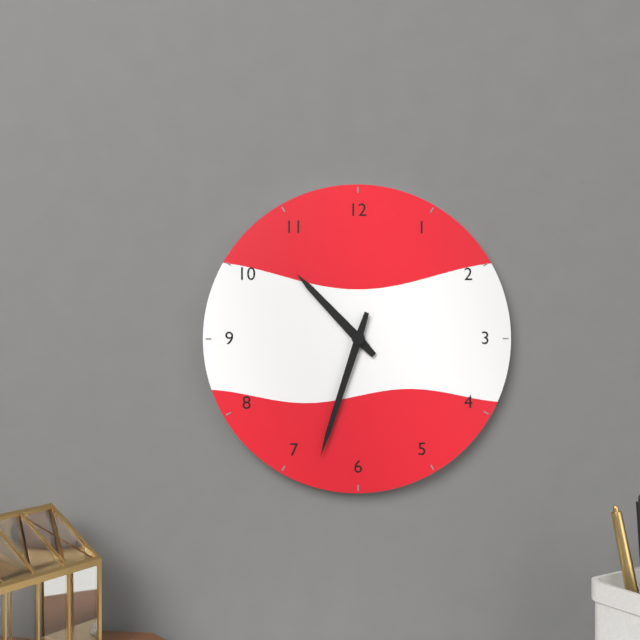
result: h=10 m=33
